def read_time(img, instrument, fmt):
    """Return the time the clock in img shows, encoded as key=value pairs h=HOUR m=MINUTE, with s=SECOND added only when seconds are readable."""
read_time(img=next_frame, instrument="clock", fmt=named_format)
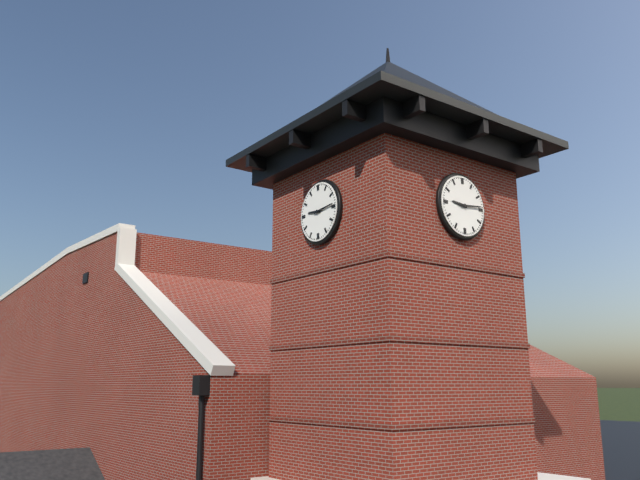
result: h=9 m=14
